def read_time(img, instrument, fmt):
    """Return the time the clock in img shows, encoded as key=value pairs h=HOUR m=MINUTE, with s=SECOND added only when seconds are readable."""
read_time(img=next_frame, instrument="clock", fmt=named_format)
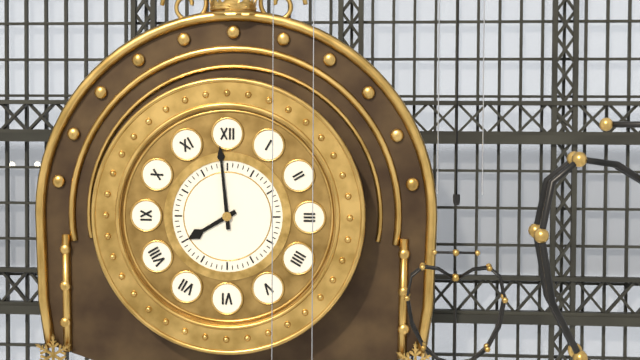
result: h=7 m=59
